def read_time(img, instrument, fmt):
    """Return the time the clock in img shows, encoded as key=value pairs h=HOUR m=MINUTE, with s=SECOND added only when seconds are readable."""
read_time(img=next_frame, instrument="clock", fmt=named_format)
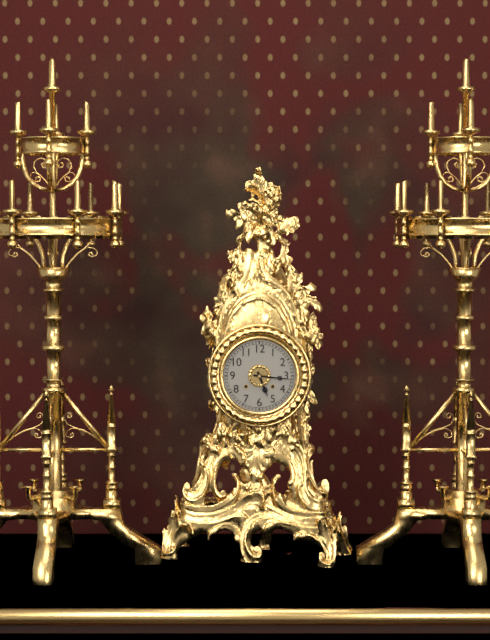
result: h=5 m=16
